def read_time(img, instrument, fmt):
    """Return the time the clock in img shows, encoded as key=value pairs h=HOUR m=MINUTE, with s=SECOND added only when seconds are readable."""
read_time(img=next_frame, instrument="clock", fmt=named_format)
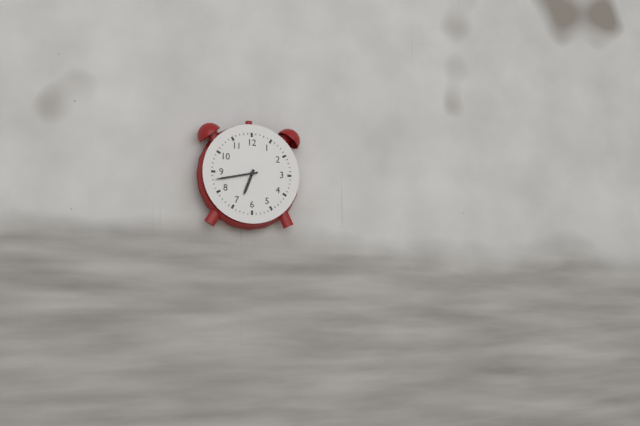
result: h=6 m=43
